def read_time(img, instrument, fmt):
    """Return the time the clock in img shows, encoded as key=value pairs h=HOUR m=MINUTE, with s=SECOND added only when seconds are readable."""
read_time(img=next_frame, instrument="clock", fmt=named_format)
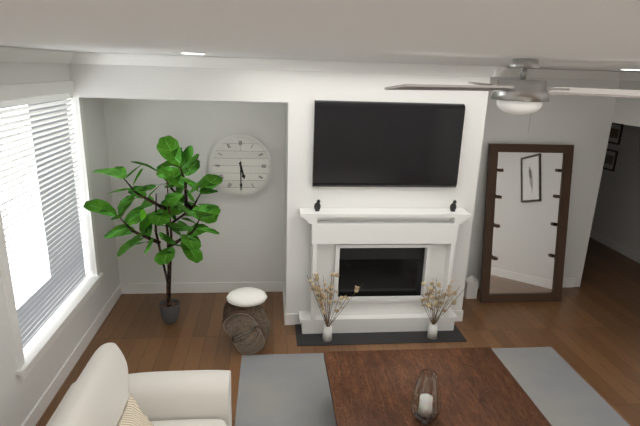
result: h=5 m=30
